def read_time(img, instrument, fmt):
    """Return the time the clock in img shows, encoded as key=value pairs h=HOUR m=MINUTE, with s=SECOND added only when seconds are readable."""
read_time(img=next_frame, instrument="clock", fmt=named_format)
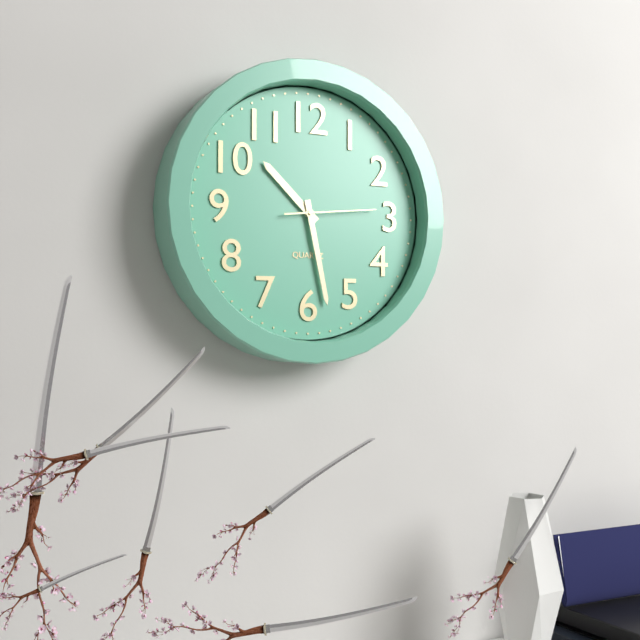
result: h=10 m=28 s=14
